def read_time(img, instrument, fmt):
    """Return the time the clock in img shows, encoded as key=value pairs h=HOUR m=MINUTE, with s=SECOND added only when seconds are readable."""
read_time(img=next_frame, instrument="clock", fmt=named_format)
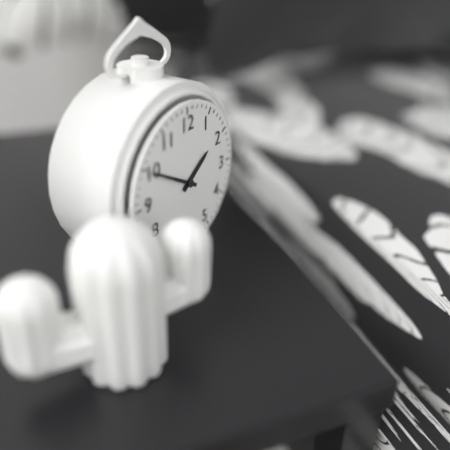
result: h=1 m=50
